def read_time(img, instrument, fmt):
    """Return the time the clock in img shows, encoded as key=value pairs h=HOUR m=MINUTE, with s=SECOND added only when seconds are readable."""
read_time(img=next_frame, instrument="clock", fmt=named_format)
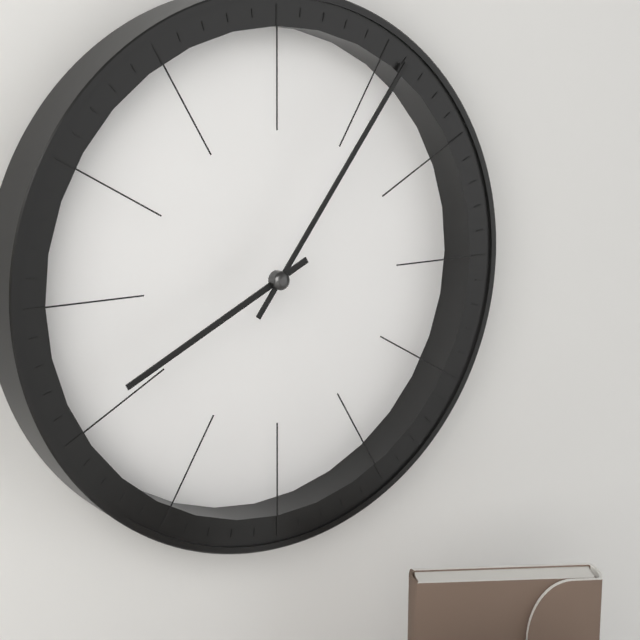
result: h=8 m=6
